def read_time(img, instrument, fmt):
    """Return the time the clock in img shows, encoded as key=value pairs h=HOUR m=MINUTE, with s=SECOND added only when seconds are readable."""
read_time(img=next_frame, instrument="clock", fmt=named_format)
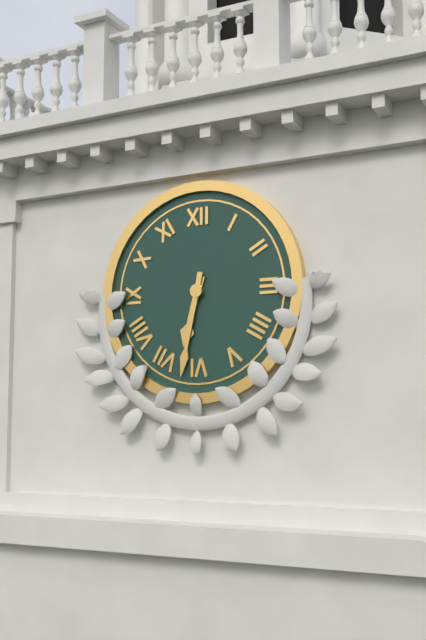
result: h=6 m=32
